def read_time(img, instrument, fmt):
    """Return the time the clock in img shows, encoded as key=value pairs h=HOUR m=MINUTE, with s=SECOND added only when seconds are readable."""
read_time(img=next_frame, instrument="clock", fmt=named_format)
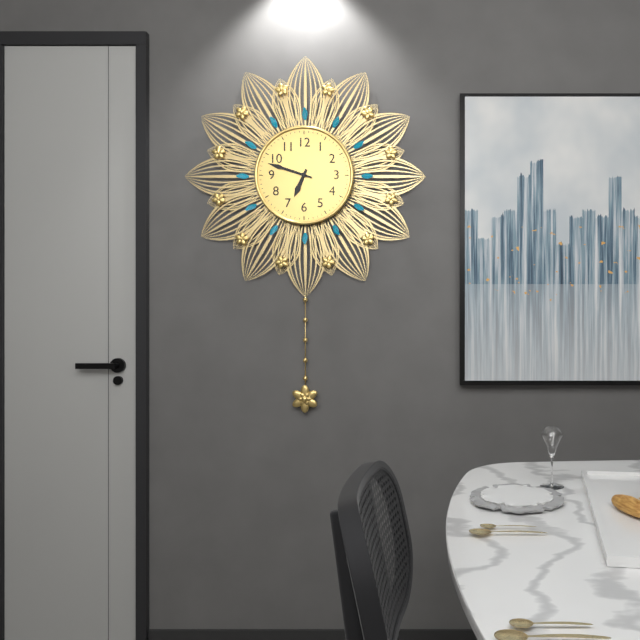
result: h=6 m=48
